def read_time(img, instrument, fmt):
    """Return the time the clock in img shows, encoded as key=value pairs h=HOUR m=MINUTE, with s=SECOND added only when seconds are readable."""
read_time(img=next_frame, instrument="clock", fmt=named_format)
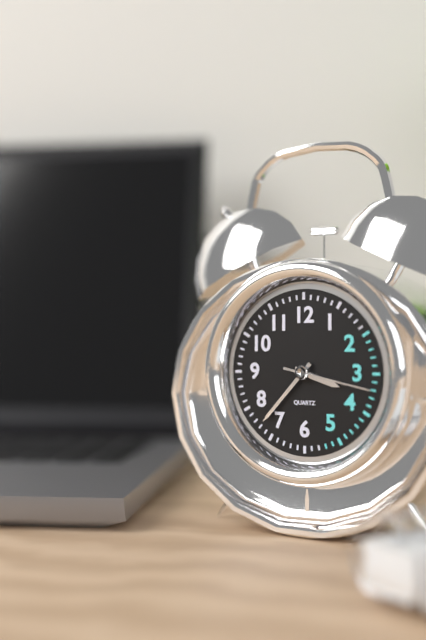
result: h=3 m=37 s=17
